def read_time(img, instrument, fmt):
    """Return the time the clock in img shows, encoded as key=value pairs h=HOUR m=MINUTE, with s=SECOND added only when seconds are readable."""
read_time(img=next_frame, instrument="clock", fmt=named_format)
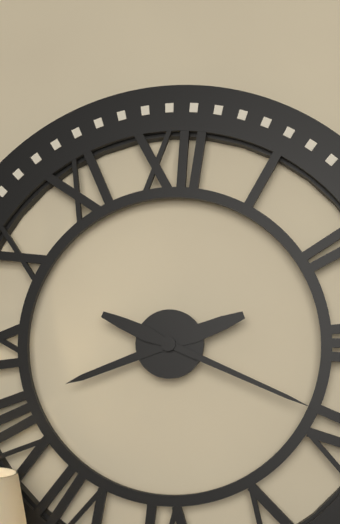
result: h=8 m=19
